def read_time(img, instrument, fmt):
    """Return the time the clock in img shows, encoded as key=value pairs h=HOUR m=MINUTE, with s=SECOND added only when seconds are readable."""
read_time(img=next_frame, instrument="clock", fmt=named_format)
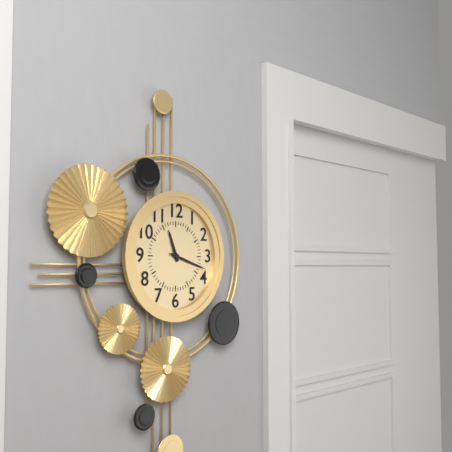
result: h=11 m=18
